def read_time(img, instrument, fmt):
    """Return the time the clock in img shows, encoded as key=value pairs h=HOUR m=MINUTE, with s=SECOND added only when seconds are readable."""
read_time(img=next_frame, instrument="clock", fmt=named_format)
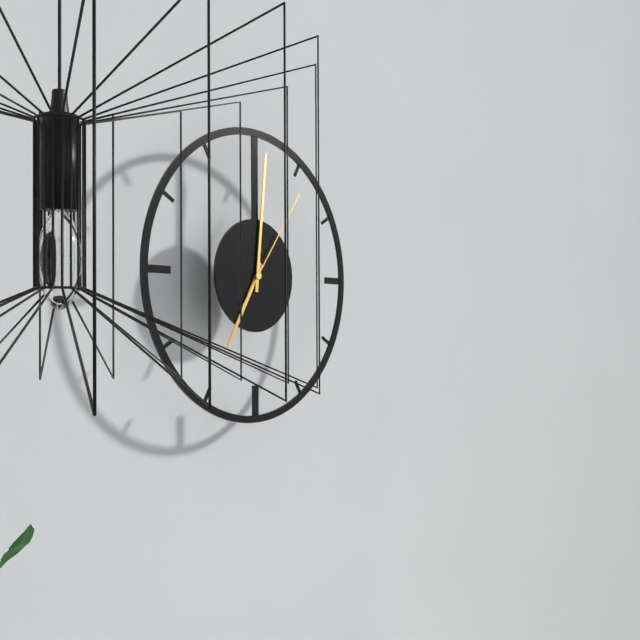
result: h=7 m=1 s=6
